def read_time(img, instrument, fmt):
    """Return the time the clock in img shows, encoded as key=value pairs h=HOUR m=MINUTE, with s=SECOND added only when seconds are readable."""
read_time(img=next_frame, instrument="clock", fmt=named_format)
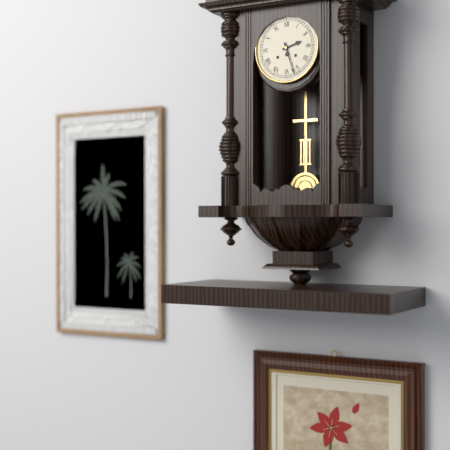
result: h=2 m=27
